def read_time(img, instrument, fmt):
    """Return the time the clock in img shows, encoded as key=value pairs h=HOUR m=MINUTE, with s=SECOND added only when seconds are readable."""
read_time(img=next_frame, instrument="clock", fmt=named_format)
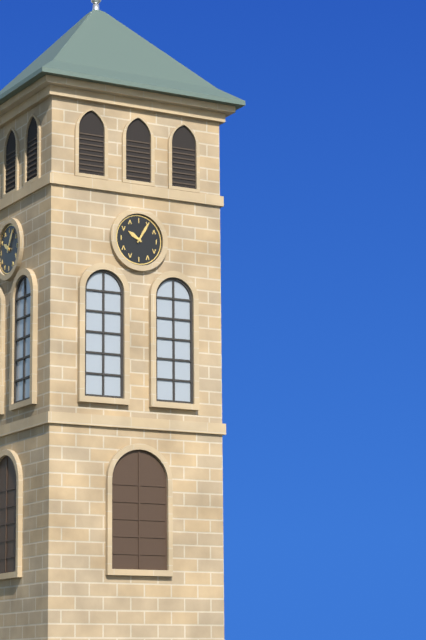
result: h=10 m=5
